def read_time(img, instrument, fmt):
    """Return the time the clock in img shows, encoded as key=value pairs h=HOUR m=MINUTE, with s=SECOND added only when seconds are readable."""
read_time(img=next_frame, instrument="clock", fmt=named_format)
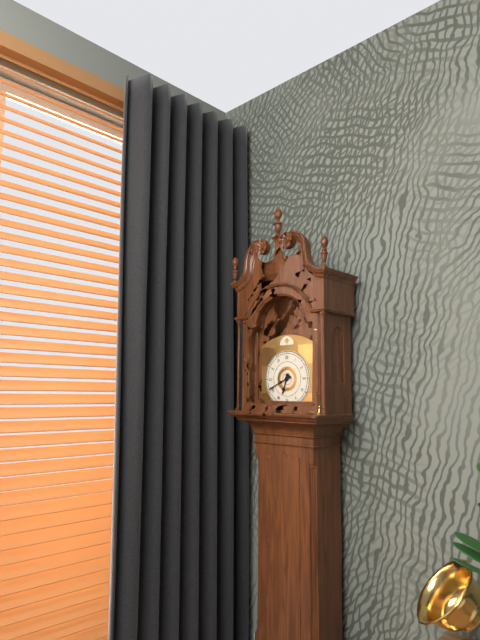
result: h=6 m=41
